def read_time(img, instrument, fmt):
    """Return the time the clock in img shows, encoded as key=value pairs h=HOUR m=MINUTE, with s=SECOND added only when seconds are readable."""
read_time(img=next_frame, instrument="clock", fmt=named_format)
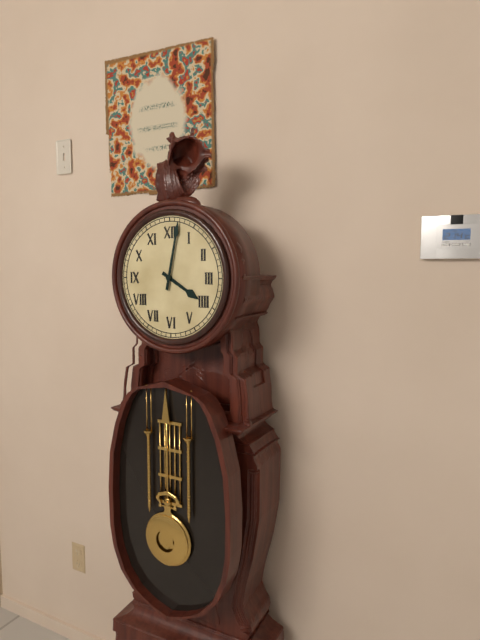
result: h=4 m=2
